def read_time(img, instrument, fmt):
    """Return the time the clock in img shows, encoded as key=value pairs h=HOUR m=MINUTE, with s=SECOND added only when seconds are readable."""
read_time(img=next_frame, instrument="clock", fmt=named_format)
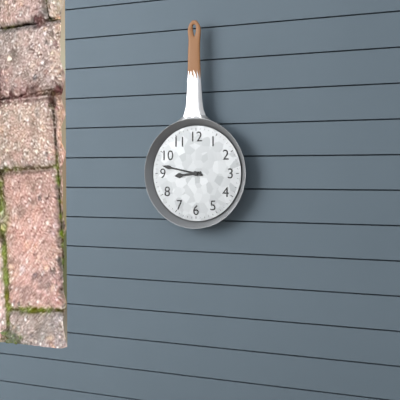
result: h=8 m=47
